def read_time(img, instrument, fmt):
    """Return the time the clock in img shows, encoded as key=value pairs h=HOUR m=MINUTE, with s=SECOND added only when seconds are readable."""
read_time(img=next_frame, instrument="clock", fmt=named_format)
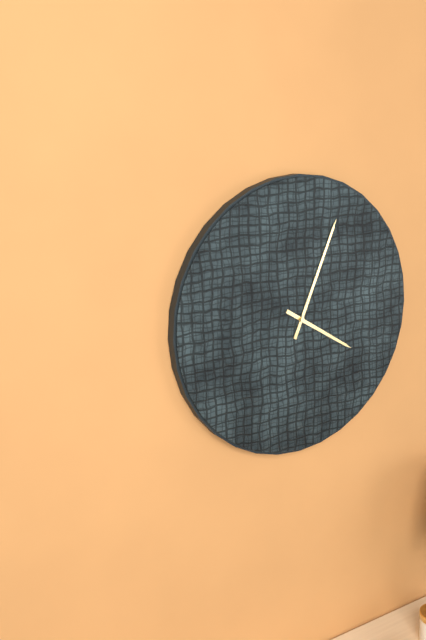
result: h=4 m=4
